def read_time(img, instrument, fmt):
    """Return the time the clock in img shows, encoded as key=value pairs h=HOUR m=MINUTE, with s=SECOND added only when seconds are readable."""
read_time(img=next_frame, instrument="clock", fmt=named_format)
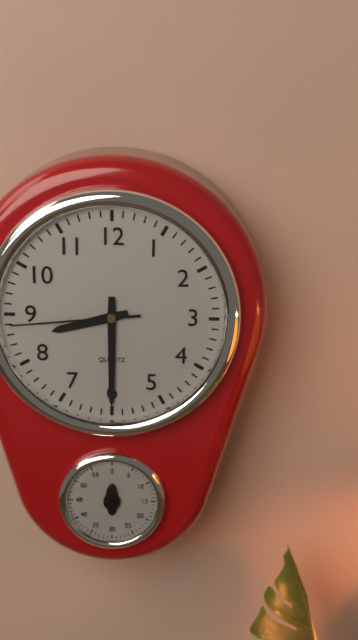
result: h=8 m=30 s=44
